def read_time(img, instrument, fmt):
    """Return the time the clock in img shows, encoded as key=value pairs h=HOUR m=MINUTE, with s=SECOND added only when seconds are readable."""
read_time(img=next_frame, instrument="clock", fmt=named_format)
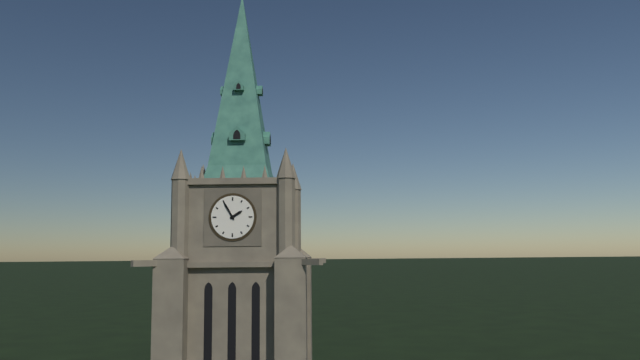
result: h=1 m=55
